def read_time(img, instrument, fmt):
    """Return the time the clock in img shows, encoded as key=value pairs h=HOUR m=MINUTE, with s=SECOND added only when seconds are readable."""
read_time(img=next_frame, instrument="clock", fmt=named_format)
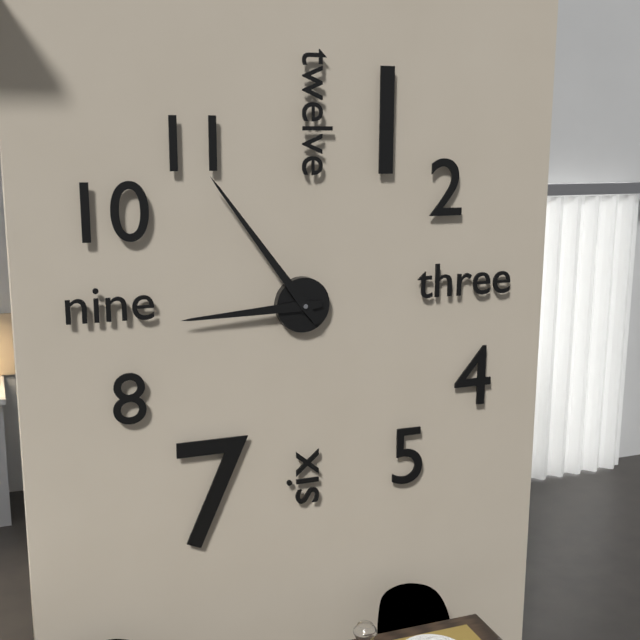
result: h=8 m=54
